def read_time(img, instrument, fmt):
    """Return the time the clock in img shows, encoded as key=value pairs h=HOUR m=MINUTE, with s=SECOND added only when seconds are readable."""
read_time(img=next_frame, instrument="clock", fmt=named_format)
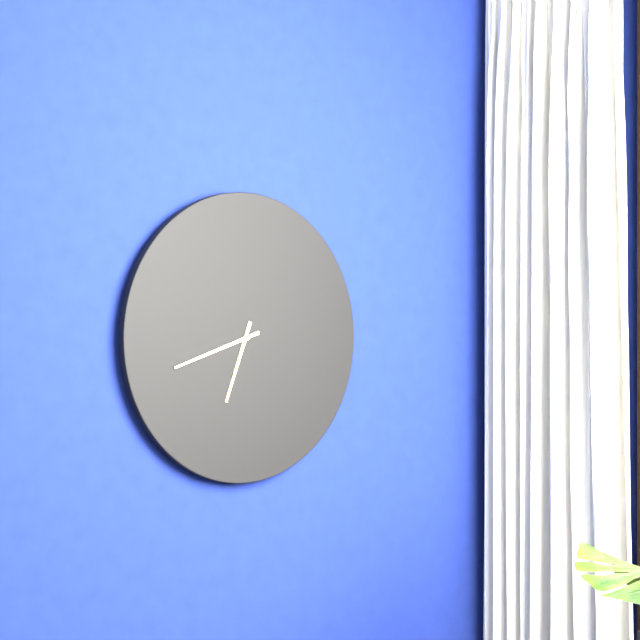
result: h=6 m=42
